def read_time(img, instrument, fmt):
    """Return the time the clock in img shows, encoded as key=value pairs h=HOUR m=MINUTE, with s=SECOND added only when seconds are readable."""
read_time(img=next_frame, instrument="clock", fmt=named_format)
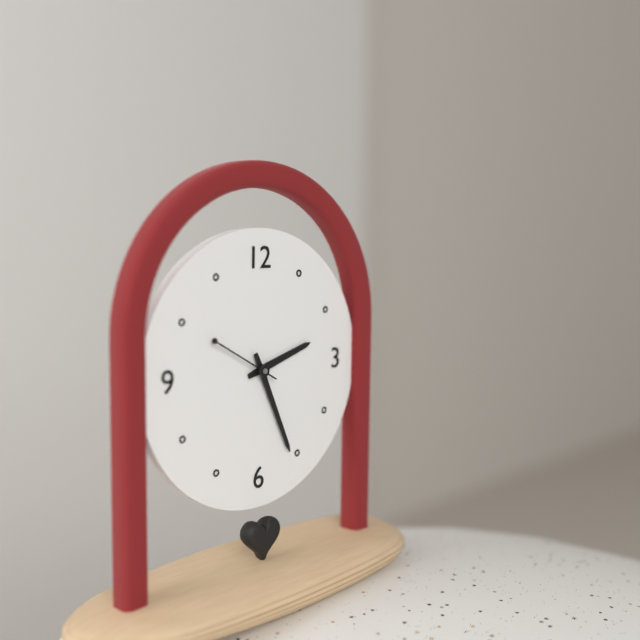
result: h=2 m=26 s=50
